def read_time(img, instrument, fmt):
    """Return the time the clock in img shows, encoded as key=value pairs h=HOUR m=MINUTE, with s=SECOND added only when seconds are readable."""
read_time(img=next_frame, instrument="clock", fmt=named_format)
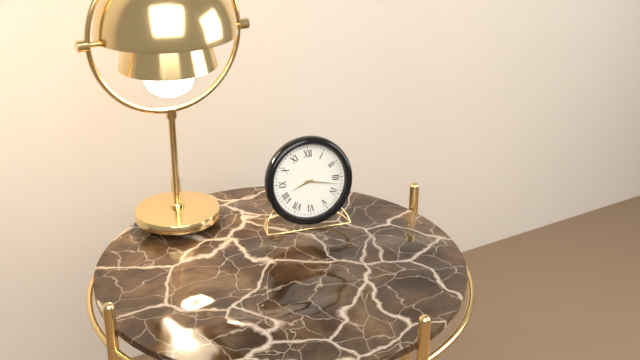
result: h=8 m=17
